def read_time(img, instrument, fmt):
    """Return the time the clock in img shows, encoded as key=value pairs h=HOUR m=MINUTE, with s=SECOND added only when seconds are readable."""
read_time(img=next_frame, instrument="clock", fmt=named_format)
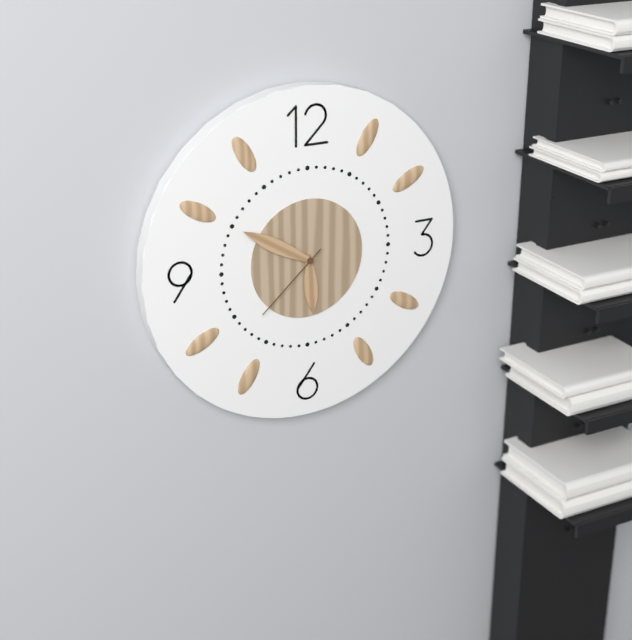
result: h=5 m=50 s=38
